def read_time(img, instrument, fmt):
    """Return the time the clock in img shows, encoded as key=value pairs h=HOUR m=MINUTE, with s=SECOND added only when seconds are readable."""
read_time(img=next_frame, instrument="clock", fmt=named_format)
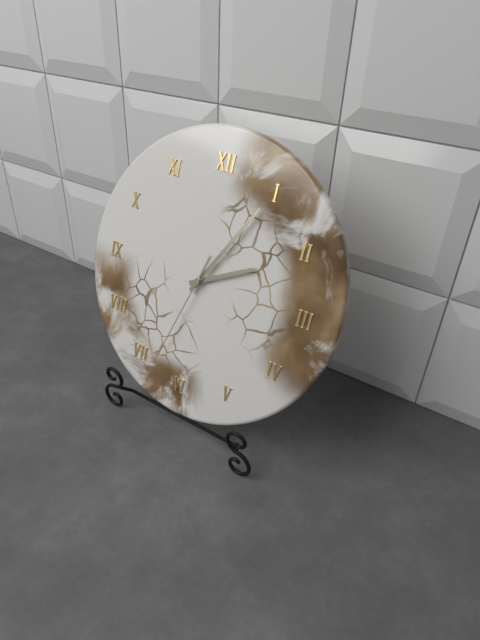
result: h=2 m=5 s=33
